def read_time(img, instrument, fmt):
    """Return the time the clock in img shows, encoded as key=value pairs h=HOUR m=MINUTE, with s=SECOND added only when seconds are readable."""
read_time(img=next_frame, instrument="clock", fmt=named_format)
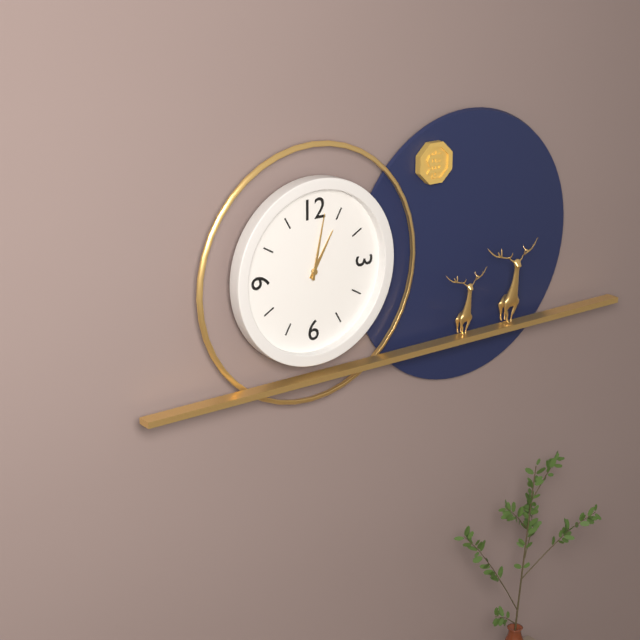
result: h=1 m=2
